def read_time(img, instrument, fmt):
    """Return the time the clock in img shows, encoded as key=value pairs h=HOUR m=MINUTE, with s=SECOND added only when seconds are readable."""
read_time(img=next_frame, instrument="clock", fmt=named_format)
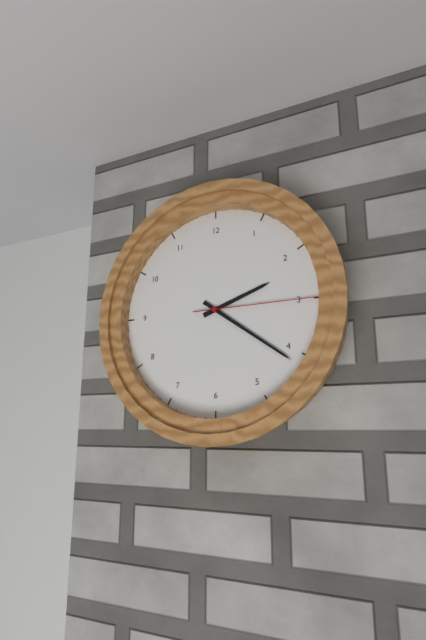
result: h=2 m=21 s=15
